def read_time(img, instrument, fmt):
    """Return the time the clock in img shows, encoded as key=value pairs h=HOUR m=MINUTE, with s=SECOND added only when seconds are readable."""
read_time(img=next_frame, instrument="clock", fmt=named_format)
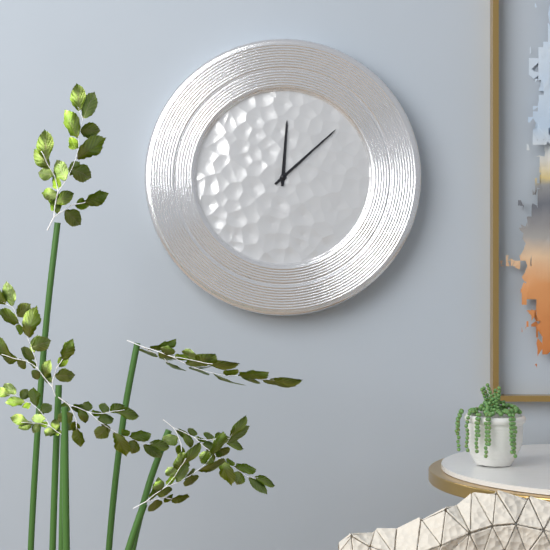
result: h=12 m=8
